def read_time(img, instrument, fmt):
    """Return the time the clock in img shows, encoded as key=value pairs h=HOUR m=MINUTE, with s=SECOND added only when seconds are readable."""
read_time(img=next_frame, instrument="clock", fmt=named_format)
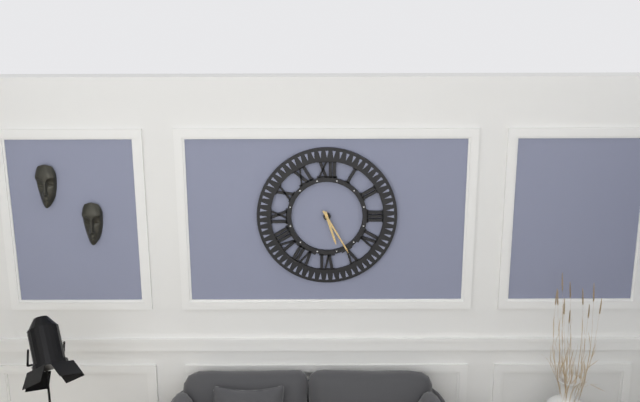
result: h=5 m=25
